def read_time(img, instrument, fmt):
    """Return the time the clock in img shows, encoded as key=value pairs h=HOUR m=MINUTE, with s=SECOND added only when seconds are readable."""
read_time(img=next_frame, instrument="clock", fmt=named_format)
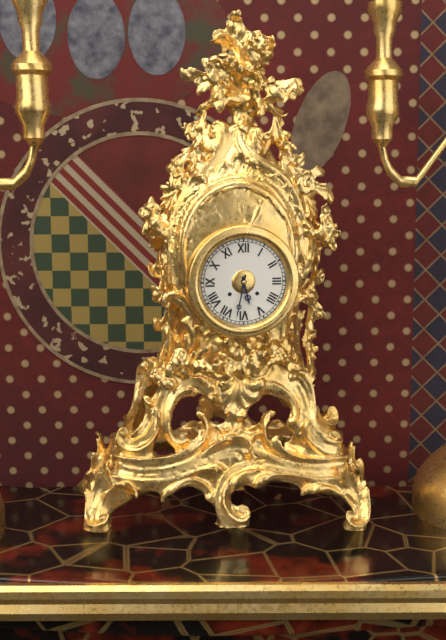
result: h=5 m=32
